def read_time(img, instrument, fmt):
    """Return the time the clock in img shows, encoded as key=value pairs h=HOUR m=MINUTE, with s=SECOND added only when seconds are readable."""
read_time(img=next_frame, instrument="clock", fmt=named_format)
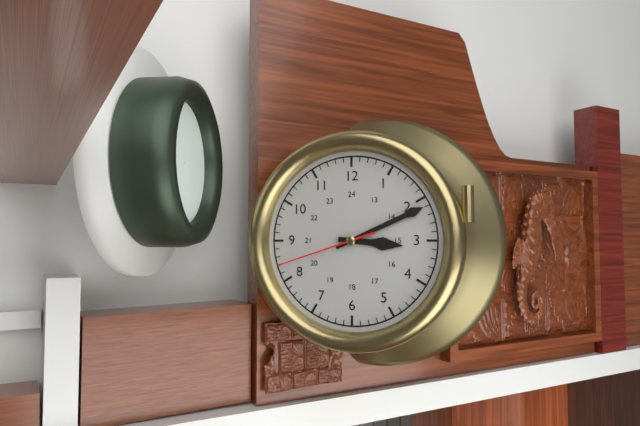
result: h=3 m=11 s=42
